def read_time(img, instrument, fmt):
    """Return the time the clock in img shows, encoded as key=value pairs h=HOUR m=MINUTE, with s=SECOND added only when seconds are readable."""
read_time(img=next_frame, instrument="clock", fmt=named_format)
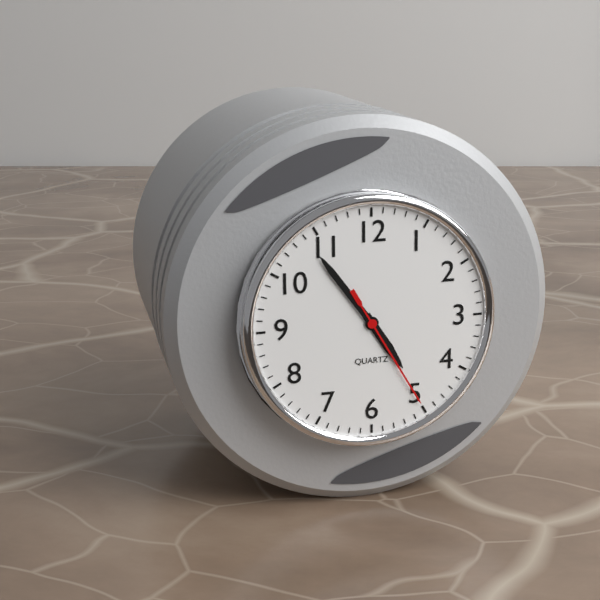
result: h=4 m=54 s=25
